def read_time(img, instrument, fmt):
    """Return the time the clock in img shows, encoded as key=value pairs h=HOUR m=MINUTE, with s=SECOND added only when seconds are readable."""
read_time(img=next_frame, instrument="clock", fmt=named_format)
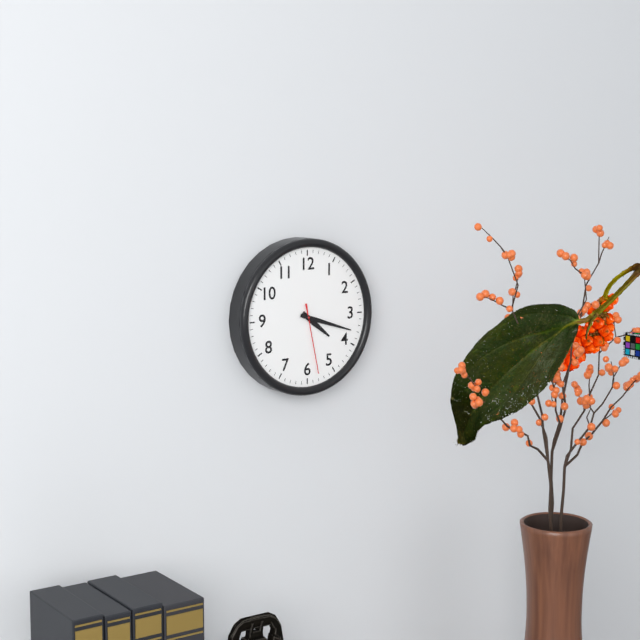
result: h=4 m=18 s=28
